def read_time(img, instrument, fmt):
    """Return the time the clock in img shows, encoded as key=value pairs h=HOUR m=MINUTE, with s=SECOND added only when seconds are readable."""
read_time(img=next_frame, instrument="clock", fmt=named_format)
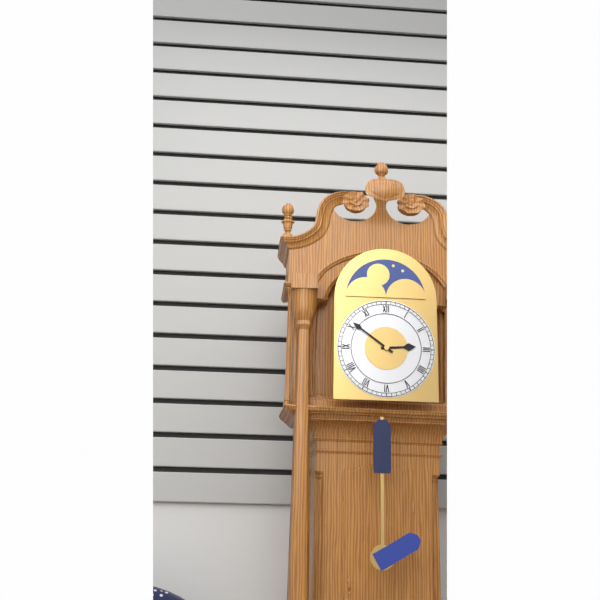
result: h=2 m=51
